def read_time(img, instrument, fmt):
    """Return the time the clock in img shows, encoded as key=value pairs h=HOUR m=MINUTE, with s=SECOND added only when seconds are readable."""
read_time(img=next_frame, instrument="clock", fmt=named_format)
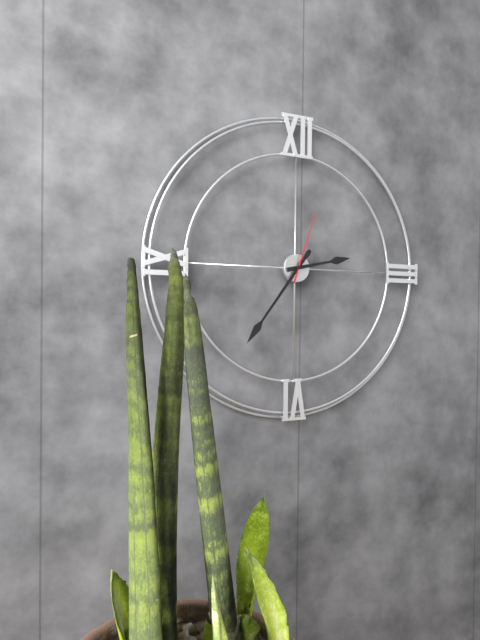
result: h=2 m=36 s=3
